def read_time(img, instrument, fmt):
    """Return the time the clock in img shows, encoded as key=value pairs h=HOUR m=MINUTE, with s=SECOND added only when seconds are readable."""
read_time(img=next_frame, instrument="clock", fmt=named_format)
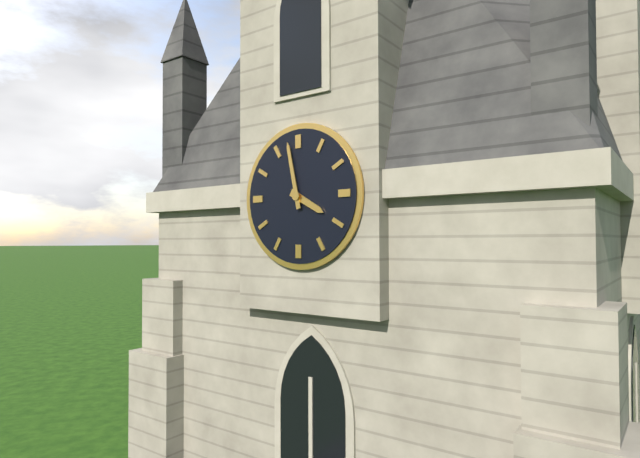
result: h=3 m=58
